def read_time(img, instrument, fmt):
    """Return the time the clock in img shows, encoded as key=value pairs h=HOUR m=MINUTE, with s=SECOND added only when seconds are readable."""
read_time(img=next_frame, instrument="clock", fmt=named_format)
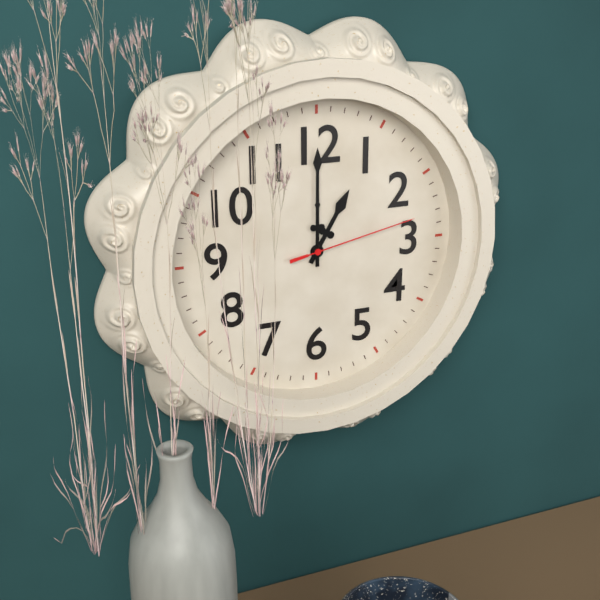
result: h=1 m=0 s=13
